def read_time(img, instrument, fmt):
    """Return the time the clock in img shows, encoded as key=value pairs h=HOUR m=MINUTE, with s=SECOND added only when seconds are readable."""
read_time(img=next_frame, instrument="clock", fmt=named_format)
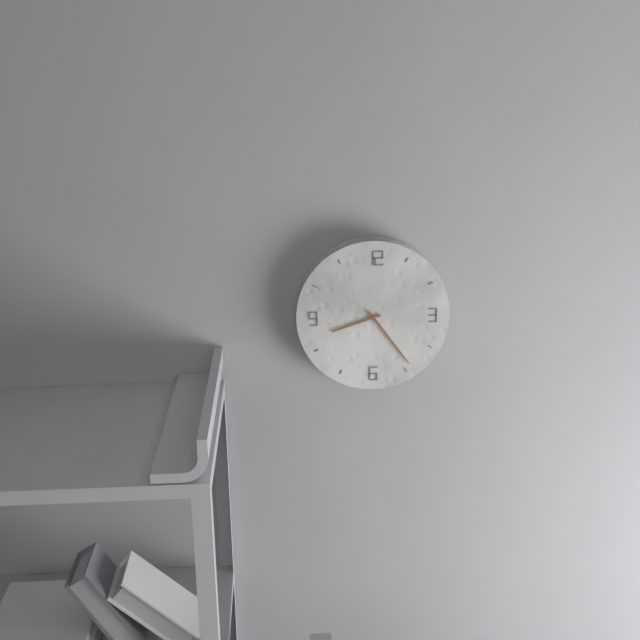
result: h=8 m=24
